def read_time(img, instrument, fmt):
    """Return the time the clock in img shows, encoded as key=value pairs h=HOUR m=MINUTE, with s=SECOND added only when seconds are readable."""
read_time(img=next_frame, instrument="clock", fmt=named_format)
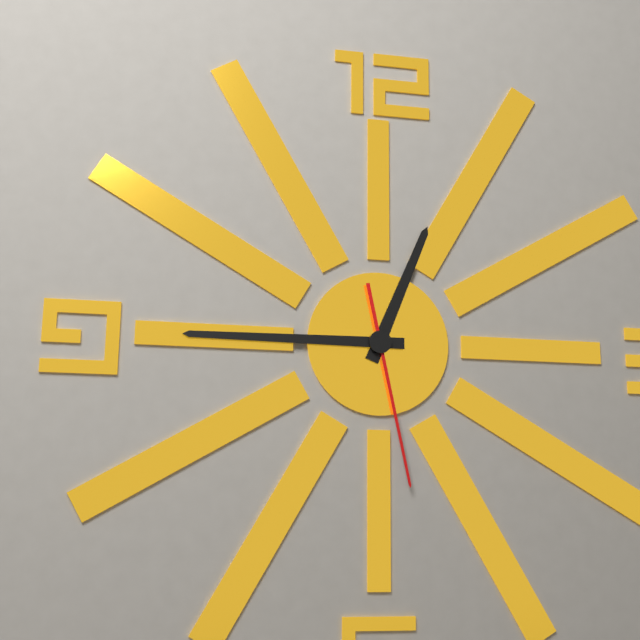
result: h=12 m=45 s=28
